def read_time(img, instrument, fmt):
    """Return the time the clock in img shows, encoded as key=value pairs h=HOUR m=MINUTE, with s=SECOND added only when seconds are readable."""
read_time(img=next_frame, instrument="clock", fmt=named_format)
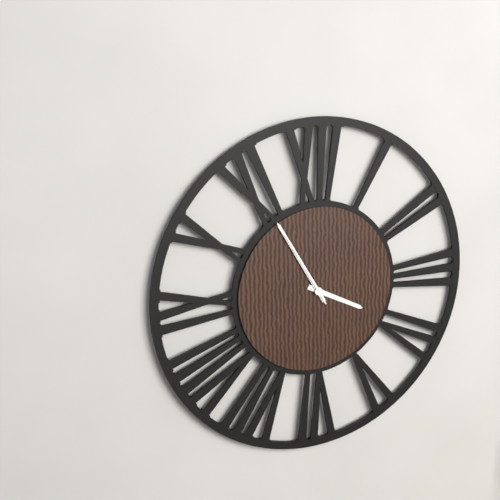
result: h=3 m=55 s=55
